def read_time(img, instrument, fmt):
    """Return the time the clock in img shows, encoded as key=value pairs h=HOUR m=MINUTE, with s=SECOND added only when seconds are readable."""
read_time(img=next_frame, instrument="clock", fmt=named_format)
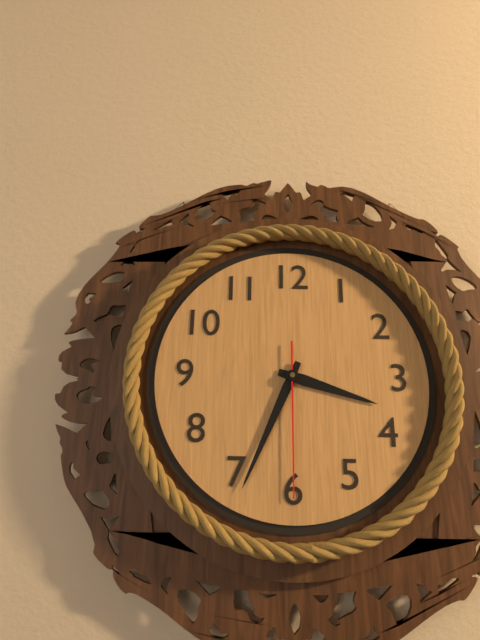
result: h=3 m=34 s=30
